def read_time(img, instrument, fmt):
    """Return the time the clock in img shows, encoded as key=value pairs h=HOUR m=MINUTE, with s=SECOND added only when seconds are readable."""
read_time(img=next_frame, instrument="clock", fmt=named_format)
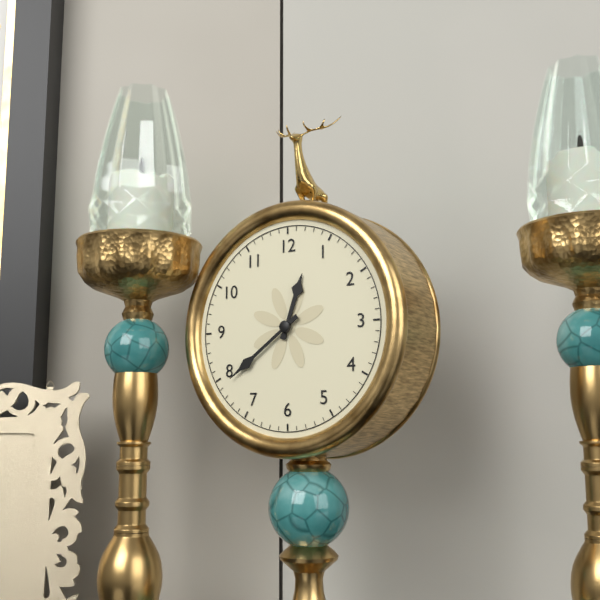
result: h=12 m=39
